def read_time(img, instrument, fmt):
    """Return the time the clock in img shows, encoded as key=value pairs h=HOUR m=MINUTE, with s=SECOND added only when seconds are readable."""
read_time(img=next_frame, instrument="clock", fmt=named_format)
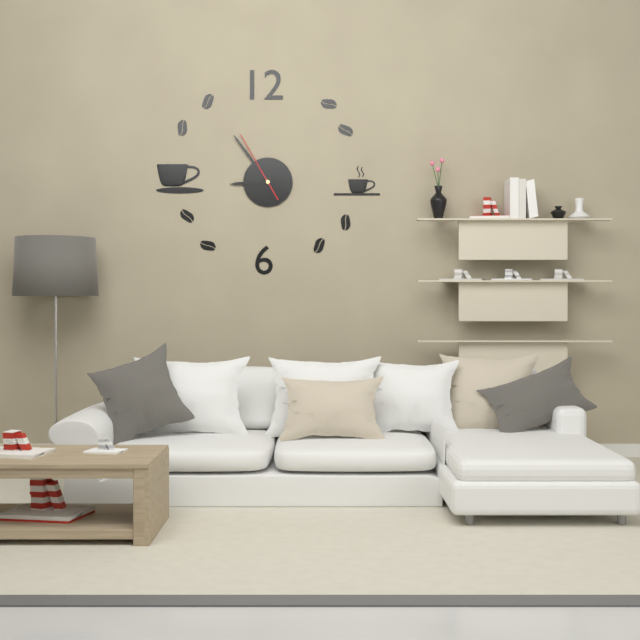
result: h=8 m=54 s=55
